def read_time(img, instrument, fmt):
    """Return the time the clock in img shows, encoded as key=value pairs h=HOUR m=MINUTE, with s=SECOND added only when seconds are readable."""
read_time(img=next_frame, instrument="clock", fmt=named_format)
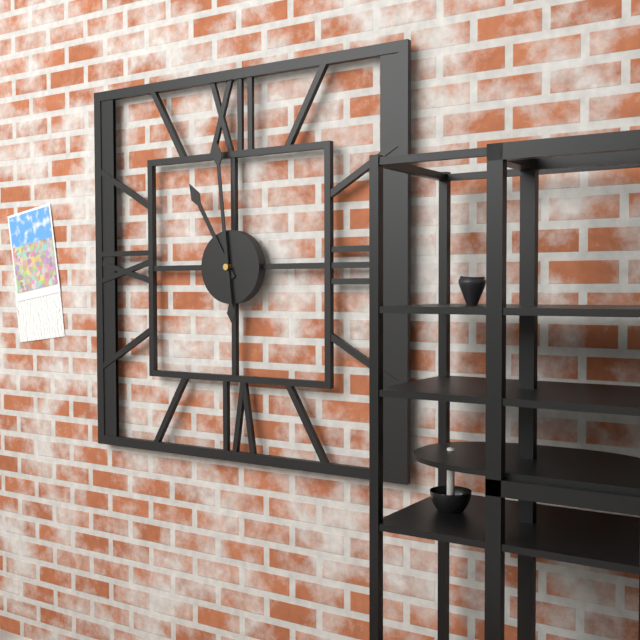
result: h=10 m=59
